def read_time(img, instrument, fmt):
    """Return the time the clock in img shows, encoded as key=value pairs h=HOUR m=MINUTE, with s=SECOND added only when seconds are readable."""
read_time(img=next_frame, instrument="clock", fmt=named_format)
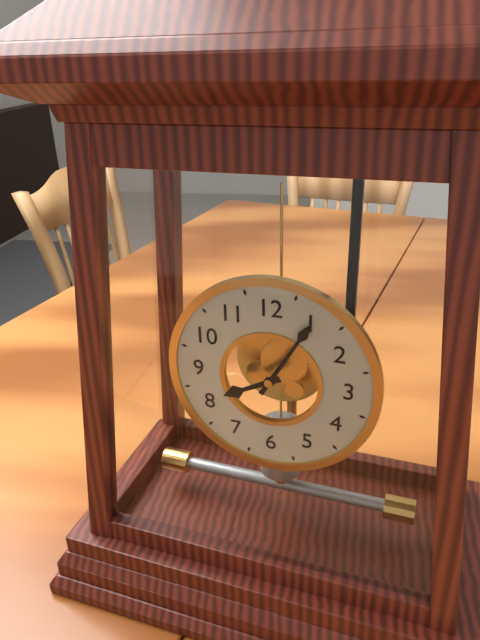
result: h=8 m=5
